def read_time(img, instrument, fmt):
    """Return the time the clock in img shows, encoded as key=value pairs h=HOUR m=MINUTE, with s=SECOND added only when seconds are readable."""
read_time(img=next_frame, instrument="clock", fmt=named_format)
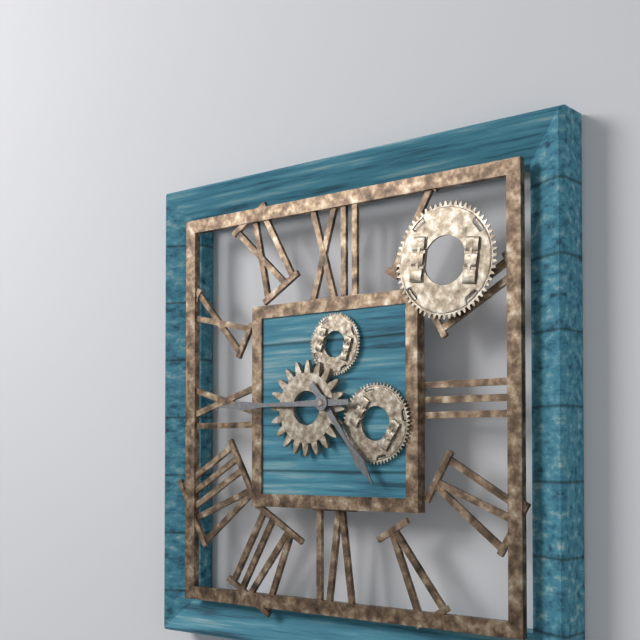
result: h=4 m=45
